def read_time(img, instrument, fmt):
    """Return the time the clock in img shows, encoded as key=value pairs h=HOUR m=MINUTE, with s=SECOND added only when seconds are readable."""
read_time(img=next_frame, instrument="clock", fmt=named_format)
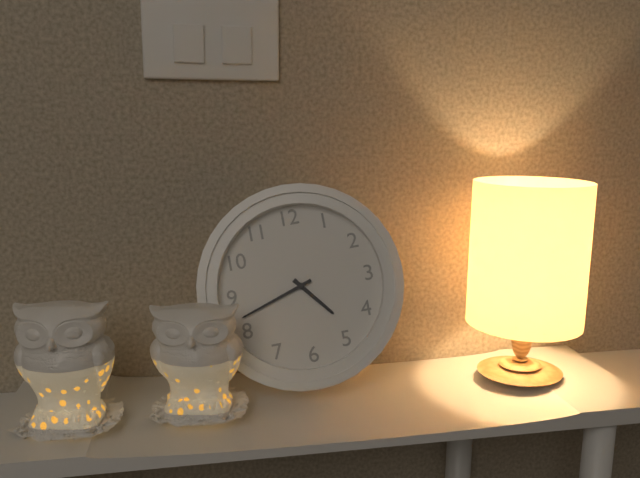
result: h=4 m=42
